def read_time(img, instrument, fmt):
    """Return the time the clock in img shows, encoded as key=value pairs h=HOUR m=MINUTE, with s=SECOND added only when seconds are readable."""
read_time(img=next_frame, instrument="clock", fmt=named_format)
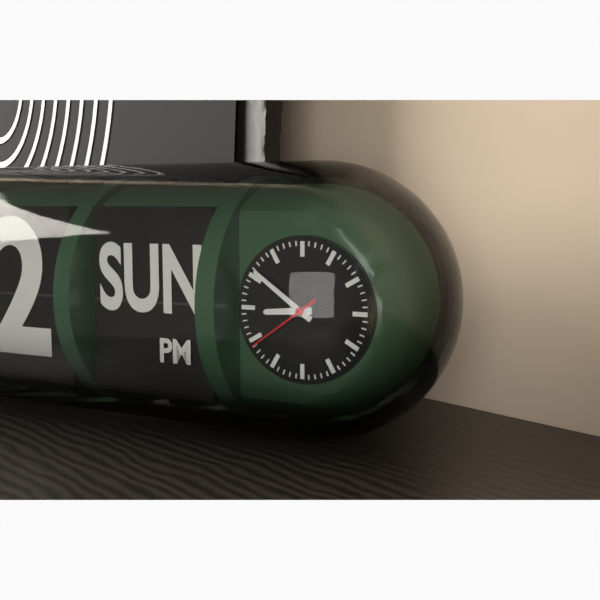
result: h=8 m=51 s=39
